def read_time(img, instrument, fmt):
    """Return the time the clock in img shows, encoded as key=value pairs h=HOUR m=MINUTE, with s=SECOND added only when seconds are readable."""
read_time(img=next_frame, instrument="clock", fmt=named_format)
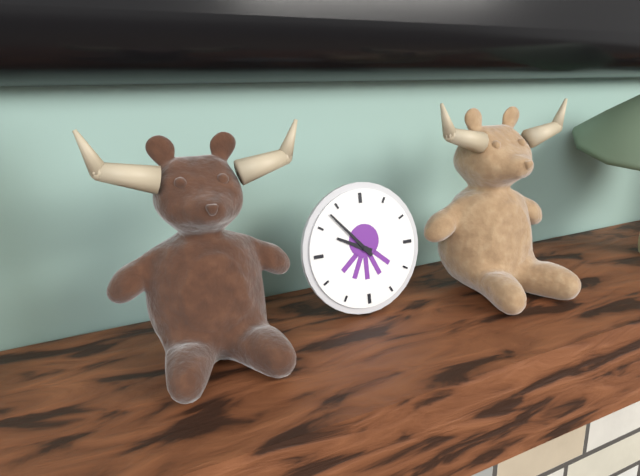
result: h=9 m=53
